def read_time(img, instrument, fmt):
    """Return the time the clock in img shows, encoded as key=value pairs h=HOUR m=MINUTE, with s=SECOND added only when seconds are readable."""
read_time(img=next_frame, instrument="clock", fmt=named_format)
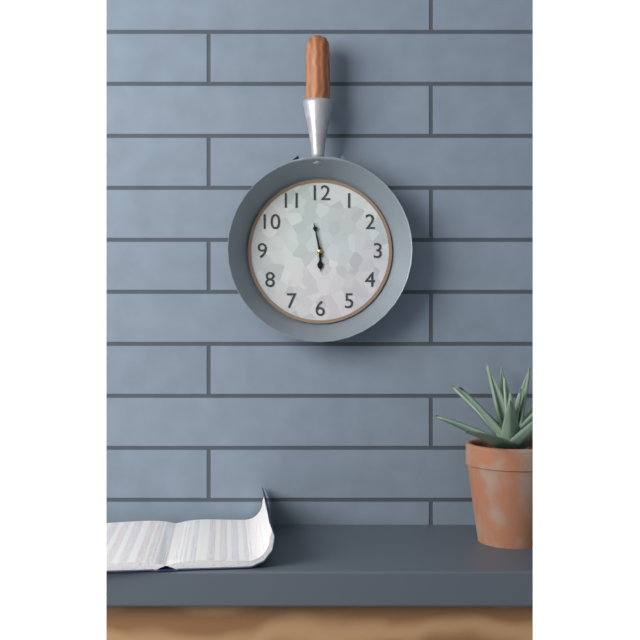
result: h=5 m=58
